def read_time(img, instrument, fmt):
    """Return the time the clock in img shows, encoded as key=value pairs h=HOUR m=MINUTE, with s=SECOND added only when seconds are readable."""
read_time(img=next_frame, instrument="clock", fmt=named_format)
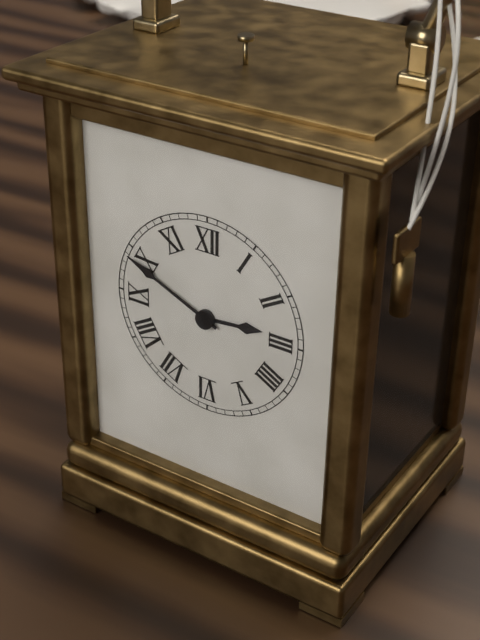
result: h=2 m=49
